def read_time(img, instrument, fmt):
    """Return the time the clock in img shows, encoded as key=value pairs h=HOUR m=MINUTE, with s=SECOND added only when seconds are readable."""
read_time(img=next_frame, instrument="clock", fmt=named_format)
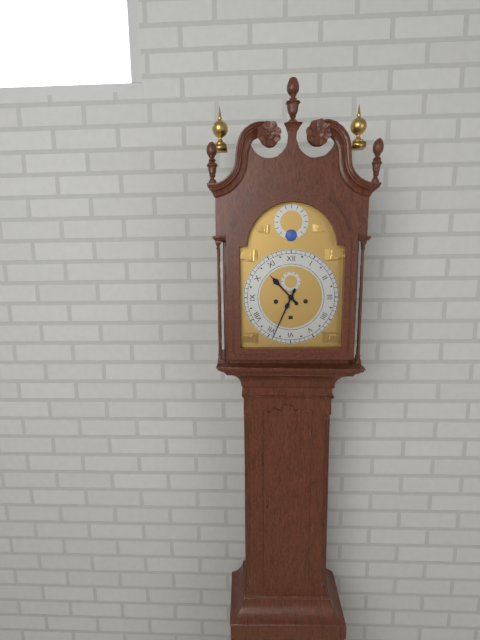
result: h=10 m=34
